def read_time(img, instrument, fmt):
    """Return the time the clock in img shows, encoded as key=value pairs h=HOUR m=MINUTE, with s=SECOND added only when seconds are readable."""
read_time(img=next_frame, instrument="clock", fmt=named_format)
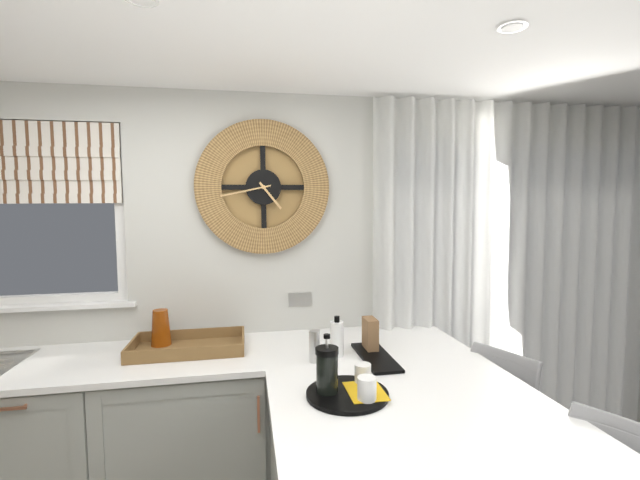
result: h=4 m=43
